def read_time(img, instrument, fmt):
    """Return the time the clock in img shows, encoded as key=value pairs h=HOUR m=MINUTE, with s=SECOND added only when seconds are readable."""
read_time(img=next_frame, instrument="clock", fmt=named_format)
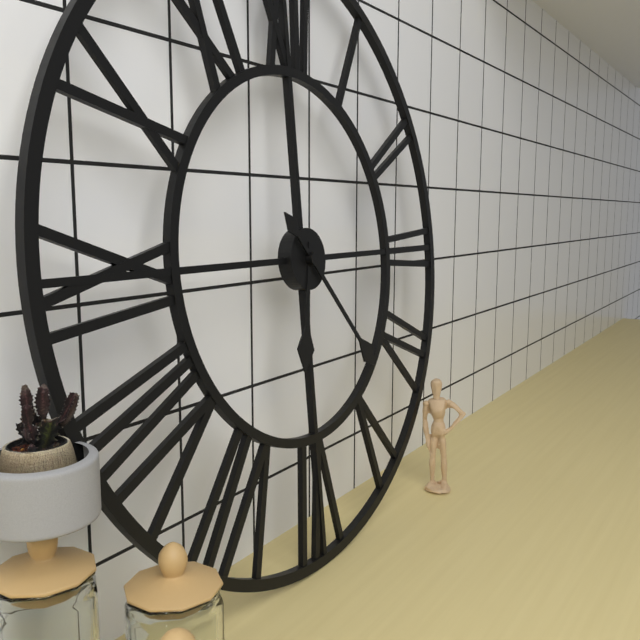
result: h=6 m=23
